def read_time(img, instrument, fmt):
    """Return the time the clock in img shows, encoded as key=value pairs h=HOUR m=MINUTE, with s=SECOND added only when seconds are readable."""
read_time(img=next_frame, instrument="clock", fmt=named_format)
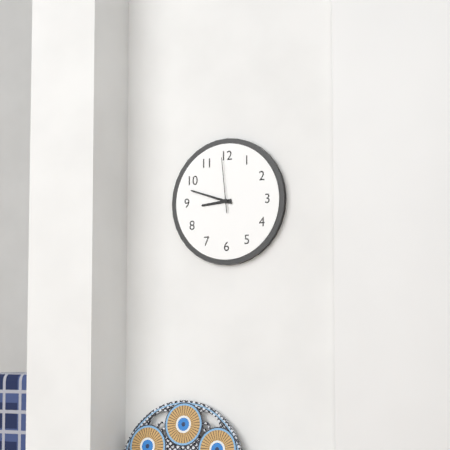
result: h=8 m=48 s=59
